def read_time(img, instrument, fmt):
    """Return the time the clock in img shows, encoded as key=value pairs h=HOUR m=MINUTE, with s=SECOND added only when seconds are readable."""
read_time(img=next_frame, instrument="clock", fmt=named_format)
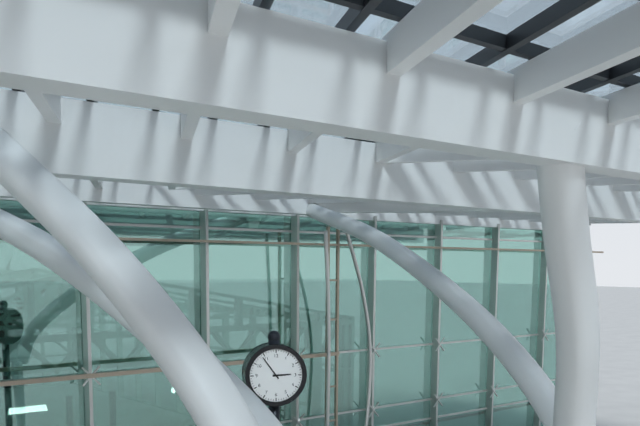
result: h=2 m=54
